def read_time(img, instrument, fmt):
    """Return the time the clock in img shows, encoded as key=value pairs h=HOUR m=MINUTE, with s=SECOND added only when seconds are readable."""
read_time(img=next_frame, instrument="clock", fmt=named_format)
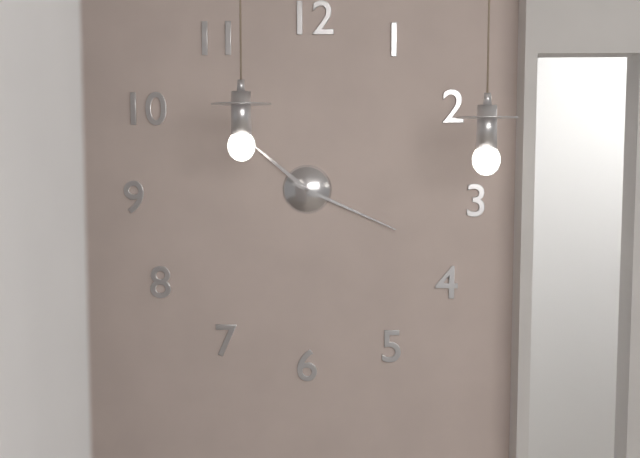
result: h=10 m=19
